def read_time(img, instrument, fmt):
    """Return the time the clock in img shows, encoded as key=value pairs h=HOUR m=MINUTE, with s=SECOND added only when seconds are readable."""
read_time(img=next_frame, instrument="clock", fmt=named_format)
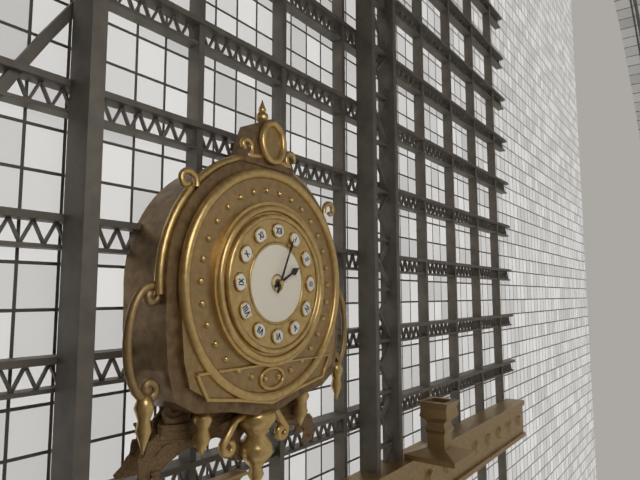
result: h=2 m=4
